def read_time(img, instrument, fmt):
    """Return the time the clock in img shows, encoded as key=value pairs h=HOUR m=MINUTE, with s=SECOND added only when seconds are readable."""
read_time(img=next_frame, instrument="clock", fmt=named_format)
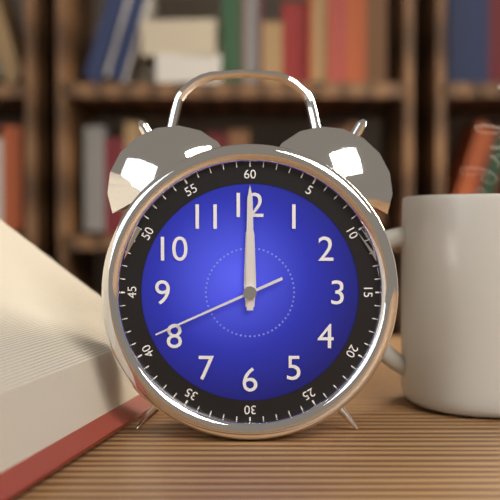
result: h=12 m=0 s=41
